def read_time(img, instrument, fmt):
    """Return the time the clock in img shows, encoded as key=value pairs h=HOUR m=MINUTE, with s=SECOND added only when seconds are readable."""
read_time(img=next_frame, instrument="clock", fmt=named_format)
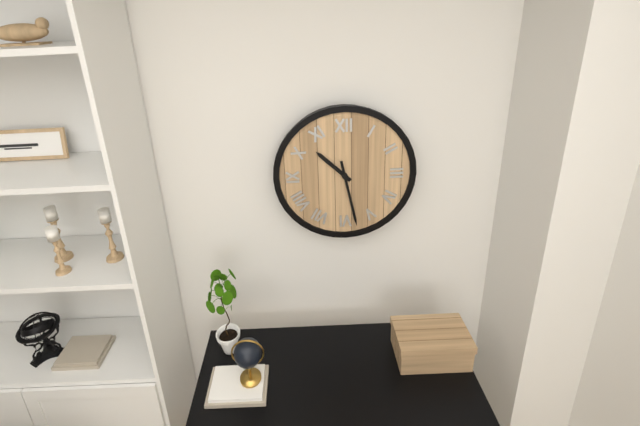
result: h=10 m=28
